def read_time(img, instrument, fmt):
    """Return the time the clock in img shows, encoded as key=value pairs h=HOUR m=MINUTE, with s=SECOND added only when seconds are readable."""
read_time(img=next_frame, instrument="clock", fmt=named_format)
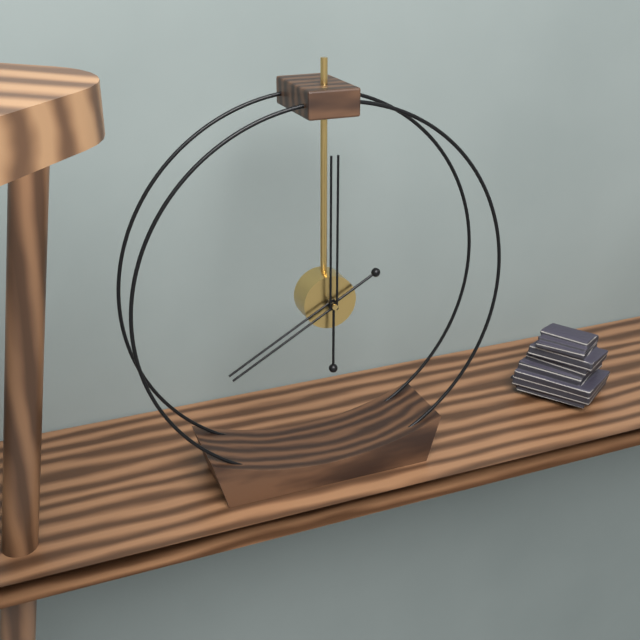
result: h=8 m=0
